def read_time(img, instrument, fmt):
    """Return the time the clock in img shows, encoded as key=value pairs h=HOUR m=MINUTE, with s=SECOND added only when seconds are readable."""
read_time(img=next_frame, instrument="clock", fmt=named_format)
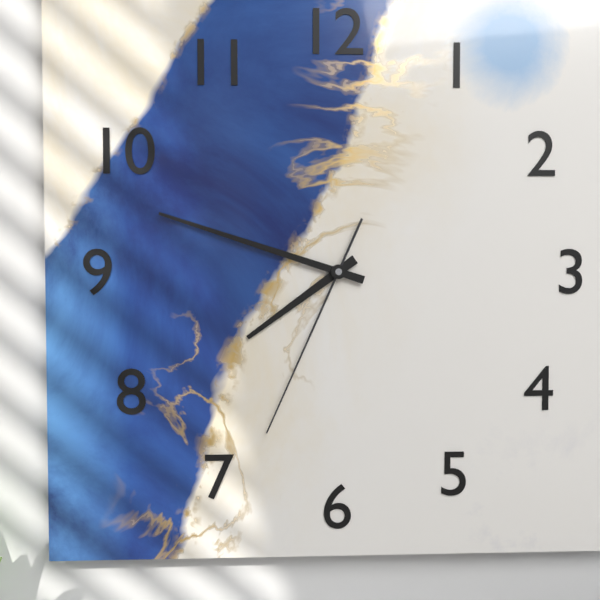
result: h=7 m=48 s=34
